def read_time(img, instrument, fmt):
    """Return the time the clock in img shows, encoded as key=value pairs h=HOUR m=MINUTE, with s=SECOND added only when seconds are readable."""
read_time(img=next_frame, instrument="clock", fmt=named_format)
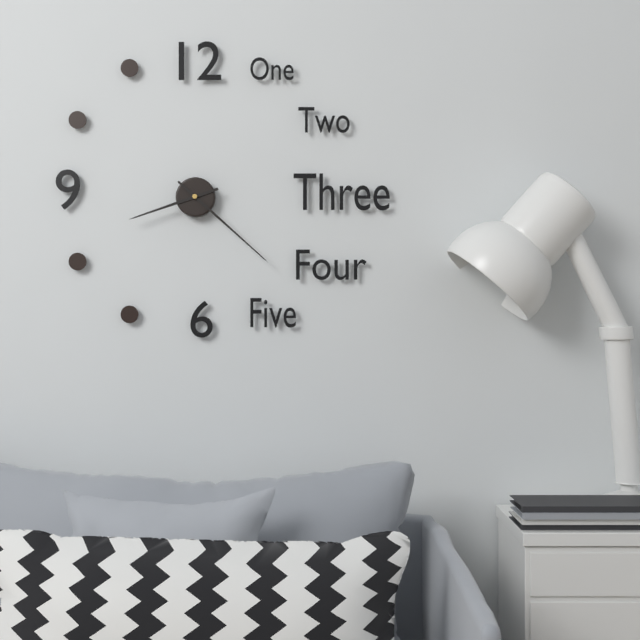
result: h=8 m=22
